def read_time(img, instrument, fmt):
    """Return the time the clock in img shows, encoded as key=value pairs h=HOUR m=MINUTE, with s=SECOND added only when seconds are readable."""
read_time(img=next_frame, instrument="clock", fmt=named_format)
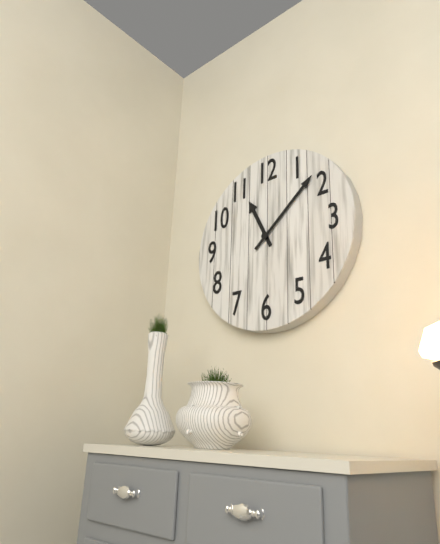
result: h=11 m=8
